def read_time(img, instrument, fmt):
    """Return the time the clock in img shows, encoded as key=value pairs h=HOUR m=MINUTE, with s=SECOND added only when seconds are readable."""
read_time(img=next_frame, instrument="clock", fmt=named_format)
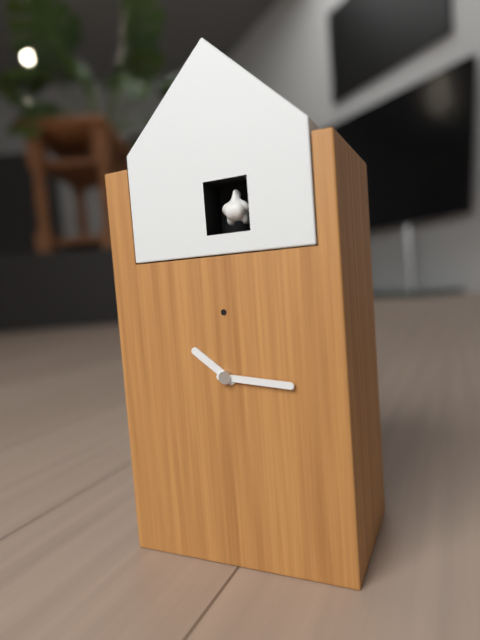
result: h=10 m=16
